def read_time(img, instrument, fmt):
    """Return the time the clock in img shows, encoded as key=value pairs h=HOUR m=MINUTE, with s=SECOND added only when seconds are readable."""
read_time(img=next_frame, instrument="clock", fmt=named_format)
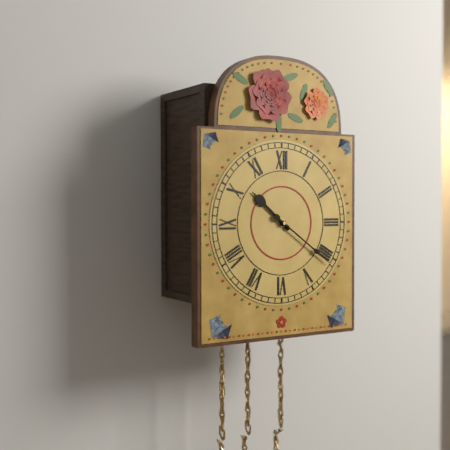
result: h=10 m=21
